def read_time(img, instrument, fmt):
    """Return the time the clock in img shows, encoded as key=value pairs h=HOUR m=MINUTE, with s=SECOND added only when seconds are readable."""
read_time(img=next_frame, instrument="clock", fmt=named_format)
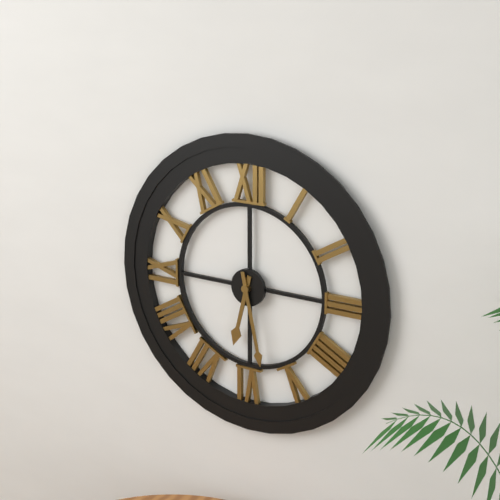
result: h=6 m=28
